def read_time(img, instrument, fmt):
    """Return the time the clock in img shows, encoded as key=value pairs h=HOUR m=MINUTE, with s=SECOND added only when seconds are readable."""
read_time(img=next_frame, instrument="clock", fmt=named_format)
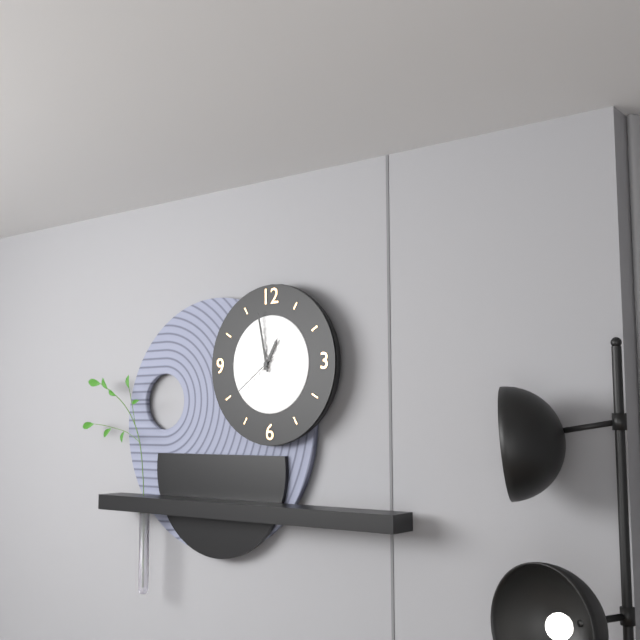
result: h=12 m=58 s=39
